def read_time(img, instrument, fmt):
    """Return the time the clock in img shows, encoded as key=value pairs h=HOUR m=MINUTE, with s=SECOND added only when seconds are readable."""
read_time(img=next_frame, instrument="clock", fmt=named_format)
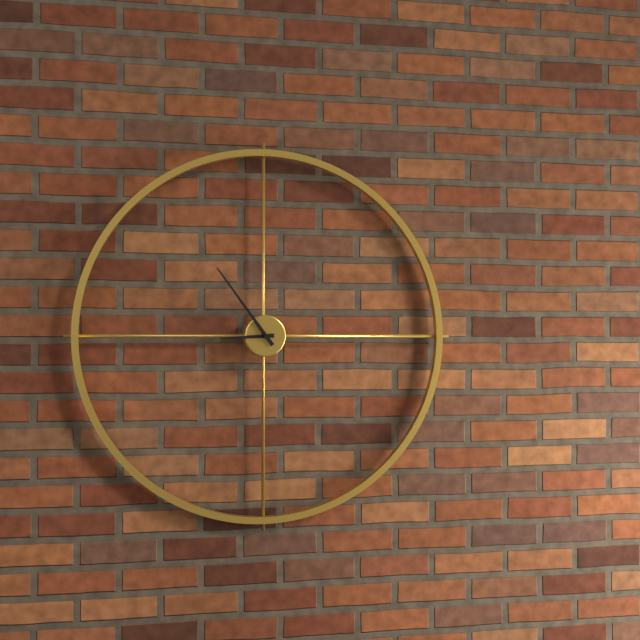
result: h=8 m=54
